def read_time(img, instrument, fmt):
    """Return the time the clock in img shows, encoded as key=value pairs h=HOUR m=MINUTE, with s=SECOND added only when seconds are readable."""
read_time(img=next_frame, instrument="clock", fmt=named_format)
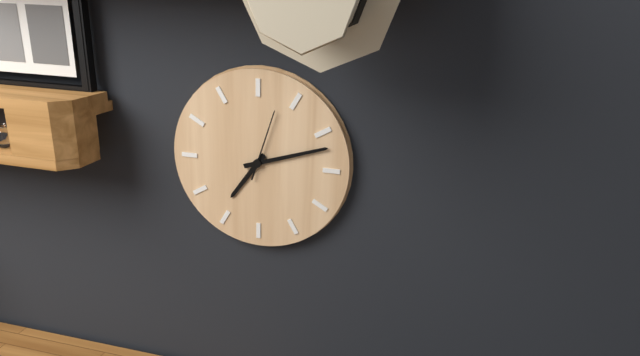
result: h=7 m=12 s=3
